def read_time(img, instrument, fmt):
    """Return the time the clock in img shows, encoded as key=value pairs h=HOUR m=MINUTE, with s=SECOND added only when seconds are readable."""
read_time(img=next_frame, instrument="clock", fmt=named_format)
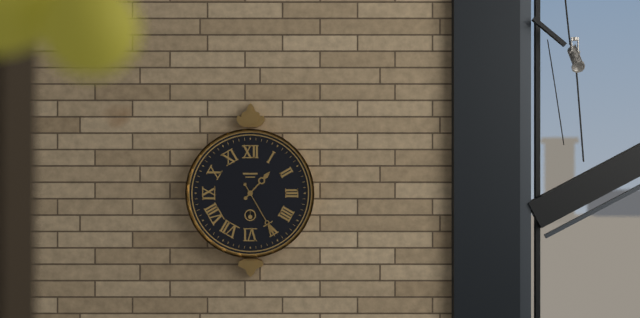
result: h=1 m=25
